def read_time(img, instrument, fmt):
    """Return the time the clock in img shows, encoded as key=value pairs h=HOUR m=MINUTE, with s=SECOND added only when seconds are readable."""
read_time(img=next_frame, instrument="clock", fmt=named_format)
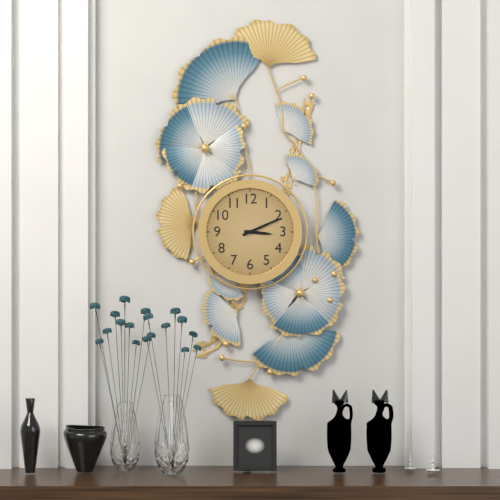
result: h=3 m=11
